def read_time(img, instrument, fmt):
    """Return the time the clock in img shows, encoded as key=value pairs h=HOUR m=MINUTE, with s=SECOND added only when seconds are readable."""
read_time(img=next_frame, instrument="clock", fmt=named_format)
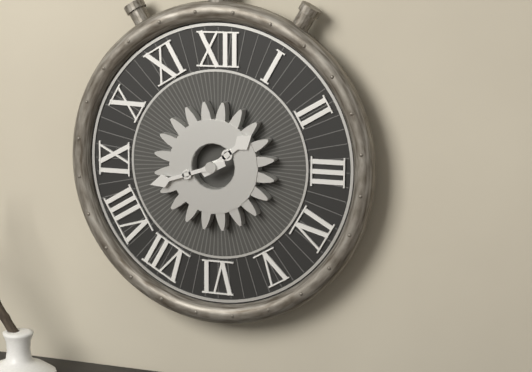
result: h=1 m=42
